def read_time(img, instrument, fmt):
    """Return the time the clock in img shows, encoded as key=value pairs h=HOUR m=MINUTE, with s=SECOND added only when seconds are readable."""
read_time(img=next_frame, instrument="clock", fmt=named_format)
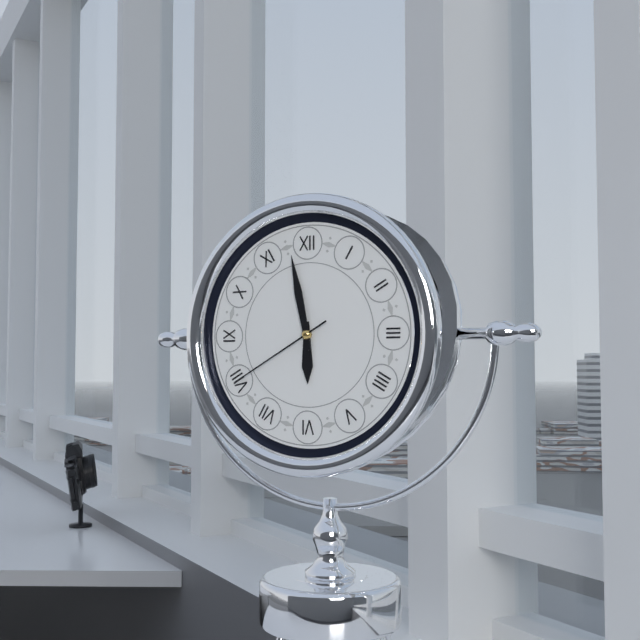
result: h=5 m=58 s=40
